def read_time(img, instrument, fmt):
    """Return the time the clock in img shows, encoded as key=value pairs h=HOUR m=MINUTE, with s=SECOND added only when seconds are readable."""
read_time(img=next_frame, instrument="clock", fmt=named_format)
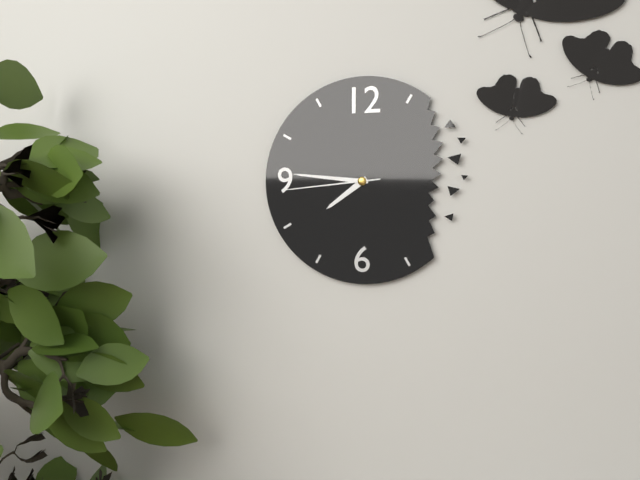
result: h=7 m=46 s=44
